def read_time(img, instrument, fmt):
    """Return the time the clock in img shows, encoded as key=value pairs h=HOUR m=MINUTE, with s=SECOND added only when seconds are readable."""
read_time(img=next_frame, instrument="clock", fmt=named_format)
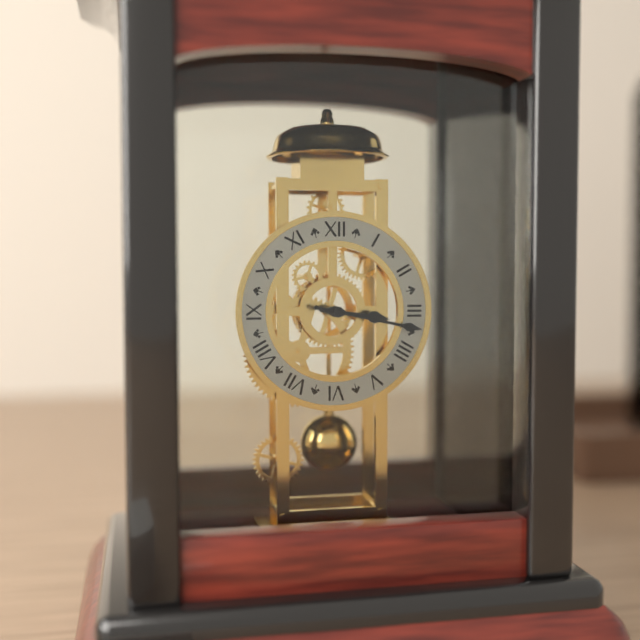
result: h=3 m=17
